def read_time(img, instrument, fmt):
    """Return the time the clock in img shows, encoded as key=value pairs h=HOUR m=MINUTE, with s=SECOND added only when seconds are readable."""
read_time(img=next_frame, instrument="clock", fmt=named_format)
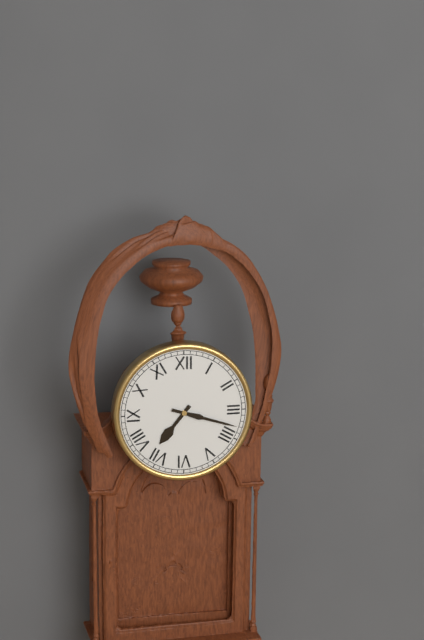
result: h=7 m=18
